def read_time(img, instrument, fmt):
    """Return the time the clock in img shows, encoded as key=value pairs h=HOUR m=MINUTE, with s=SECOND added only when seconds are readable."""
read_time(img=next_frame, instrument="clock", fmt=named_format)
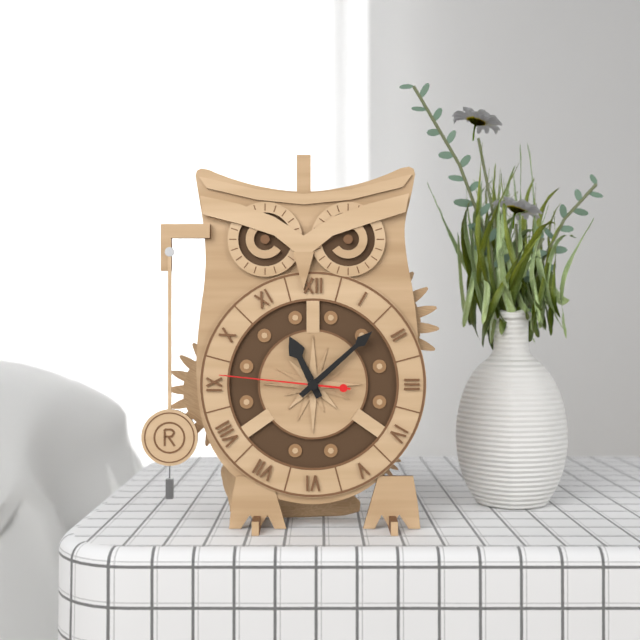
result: h=11 m=8 s=46
